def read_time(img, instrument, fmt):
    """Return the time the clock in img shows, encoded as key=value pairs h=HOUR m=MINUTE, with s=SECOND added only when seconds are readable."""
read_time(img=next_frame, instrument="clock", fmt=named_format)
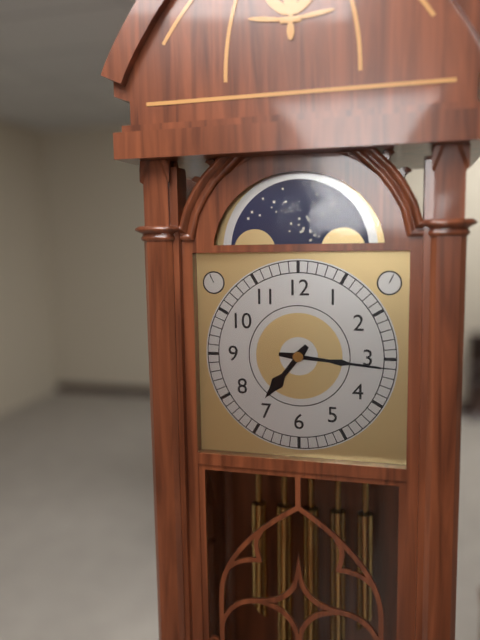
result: h=7 m=16
